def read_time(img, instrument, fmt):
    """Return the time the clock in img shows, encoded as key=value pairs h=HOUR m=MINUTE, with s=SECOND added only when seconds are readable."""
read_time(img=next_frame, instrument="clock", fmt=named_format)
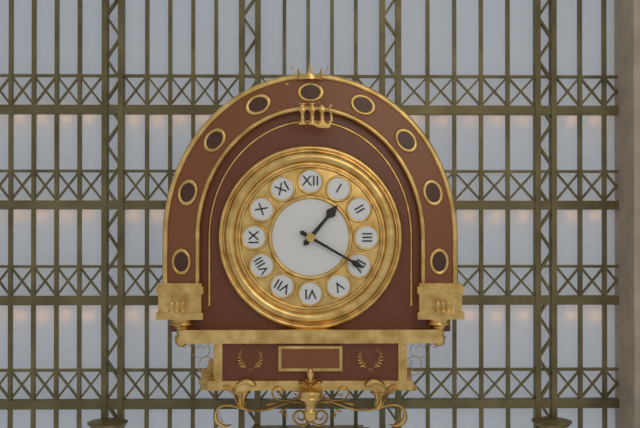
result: h=1 m=20
